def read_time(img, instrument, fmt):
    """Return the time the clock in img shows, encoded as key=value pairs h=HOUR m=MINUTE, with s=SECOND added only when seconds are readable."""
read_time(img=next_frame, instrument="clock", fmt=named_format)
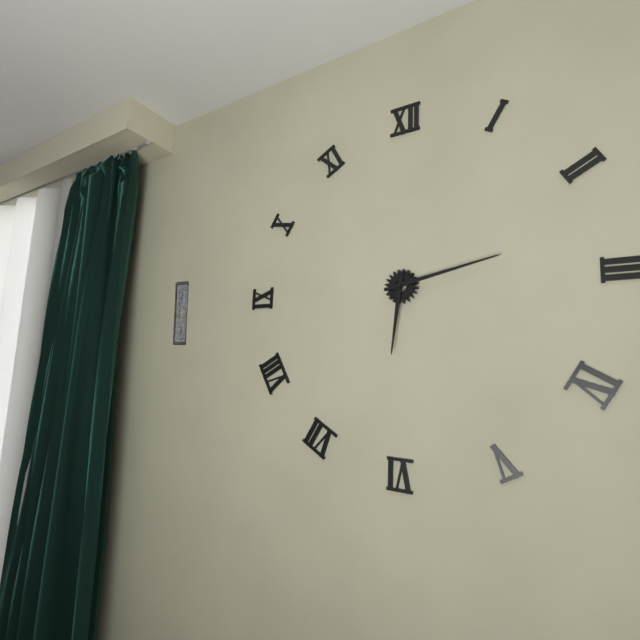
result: h=6 m=13
